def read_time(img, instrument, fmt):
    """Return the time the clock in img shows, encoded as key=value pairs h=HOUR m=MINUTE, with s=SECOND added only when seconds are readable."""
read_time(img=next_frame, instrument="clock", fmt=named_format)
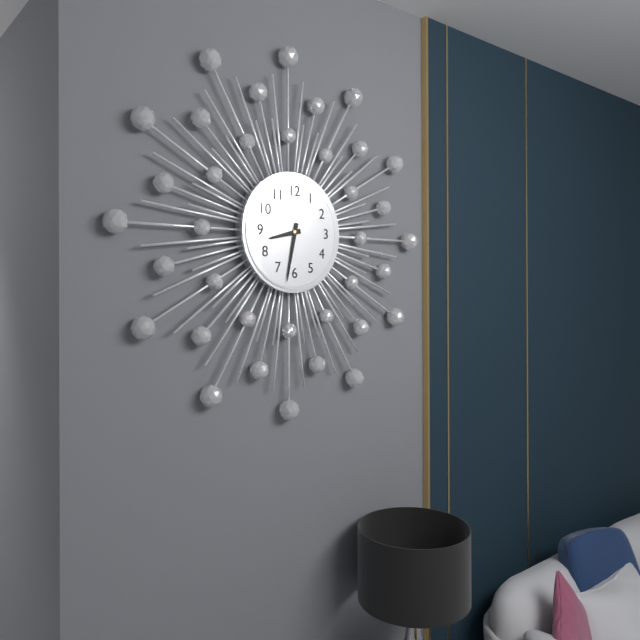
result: h=8 m=32
